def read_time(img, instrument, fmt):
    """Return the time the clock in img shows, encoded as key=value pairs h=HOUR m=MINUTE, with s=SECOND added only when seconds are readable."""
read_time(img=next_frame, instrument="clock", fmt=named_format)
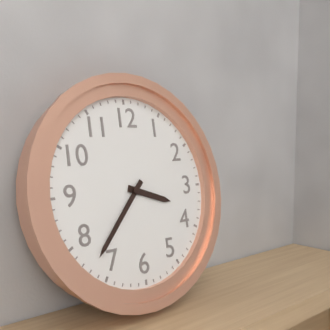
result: h=3 m=37
